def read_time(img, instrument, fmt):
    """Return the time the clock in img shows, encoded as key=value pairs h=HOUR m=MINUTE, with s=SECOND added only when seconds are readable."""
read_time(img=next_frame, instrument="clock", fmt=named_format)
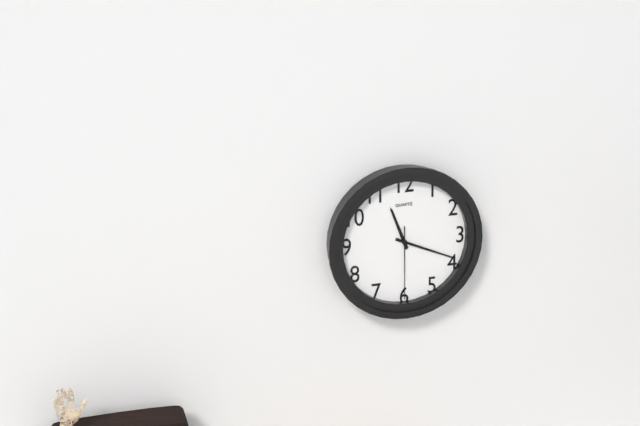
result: h=11 m=19 s=30
